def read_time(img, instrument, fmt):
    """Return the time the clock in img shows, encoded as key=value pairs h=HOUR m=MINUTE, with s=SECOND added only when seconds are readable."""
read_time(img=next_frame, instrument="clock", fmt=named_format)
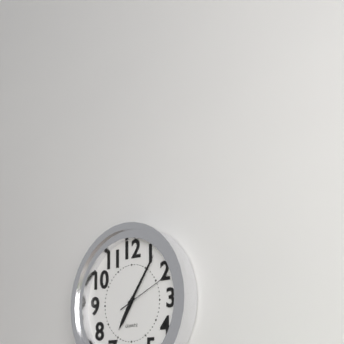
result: h=7 m=6 s=11
